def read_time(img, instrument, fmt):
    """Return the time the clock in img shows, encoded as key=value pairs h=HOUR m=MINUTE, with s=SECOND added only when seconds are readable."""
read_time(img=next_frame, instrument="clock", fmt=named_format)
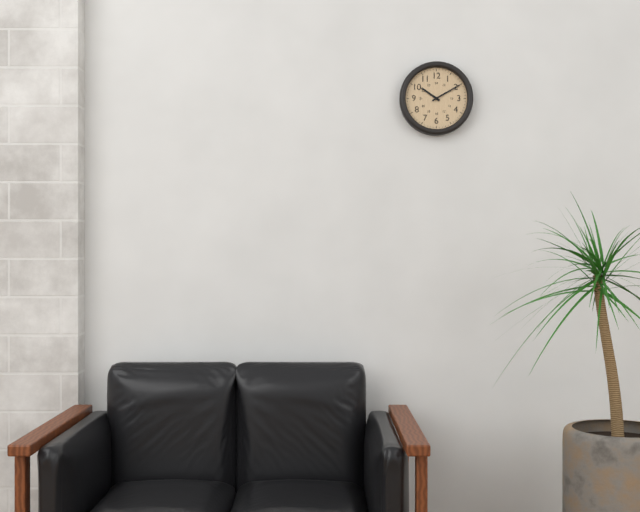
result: h=10 m=10
